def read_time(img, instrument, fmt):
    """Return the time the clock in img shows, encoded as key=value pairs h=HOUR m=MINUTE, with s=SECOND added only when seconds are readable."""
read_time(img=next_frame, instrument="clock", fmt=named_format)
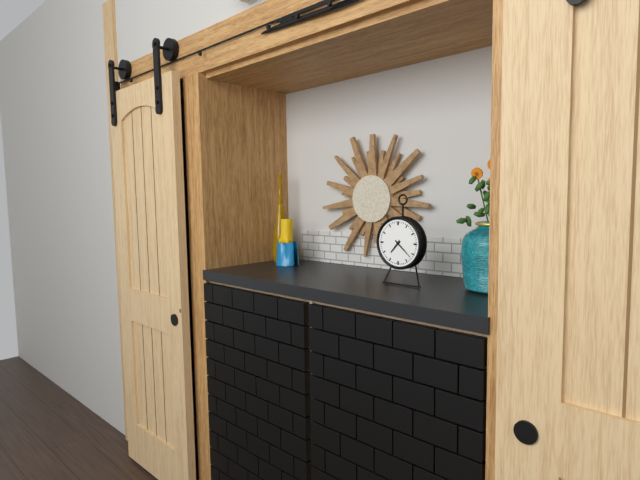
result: h=7 m=22
